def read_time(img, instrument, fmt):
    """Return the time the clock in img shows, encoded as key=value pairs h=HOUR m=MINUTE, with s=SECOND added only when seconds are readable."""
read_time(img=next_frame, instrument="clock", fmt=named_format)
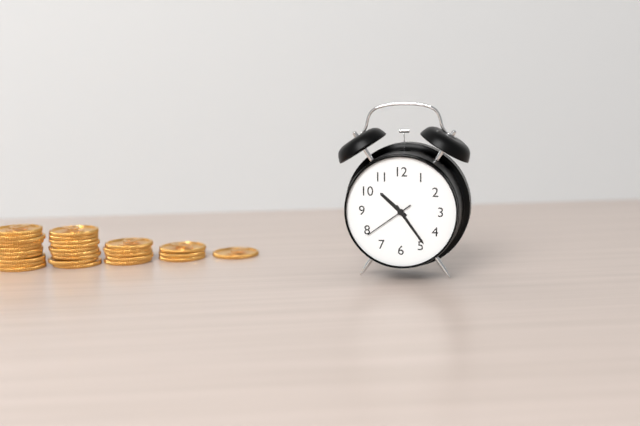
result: h=10 m=24 s=39
